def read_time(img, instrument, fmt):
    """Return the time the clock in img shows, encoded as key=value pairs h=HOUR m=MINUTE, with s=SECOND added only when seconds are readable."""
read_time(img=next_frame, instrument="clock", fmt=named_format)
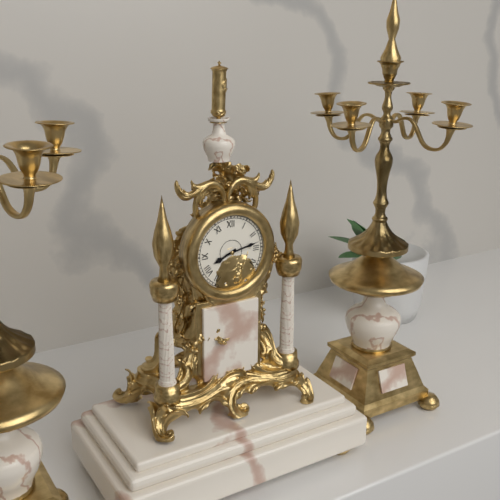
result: h=8 m=13
